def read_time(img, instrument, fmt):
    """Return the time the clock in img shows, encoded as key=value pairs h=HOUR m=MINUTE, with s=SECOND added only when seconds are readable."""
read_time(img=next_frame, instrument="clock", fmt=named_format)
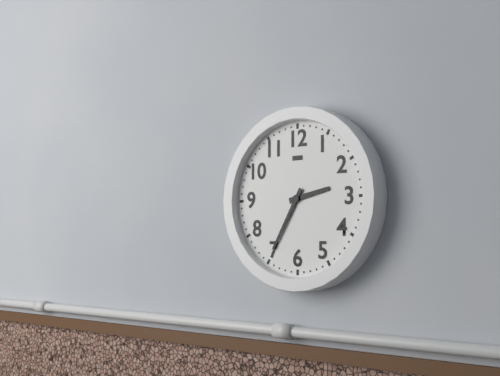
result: h=2 m=35
